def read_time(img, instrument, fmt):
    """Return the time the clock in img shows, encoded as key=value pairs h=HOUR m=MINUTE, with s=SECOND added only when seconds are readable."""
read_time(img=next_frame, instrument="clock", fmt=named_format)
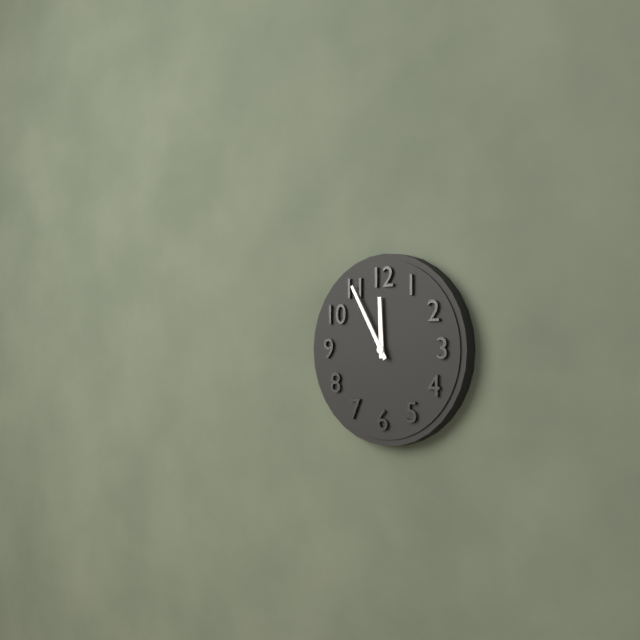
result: h=11 m=55
